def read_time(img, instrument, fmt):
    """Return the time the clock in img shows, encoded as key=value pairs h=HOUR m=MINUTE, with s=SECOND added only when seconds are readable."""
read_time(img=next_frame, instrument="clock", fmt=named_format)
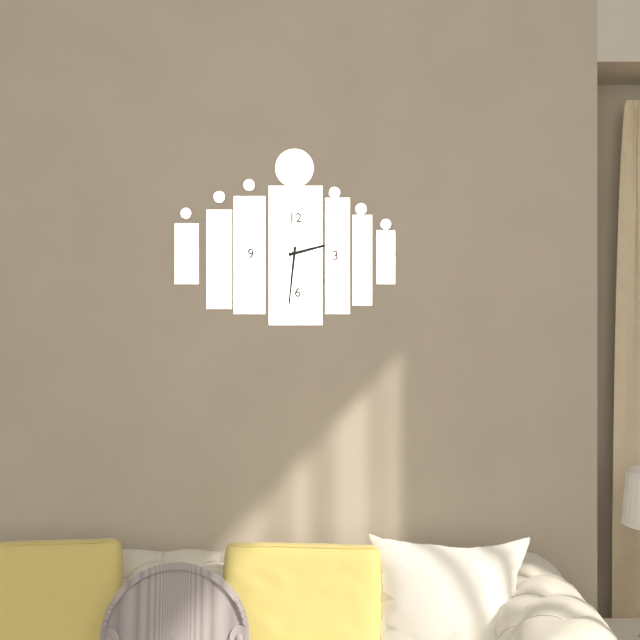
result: h=2 m=31 s=22
